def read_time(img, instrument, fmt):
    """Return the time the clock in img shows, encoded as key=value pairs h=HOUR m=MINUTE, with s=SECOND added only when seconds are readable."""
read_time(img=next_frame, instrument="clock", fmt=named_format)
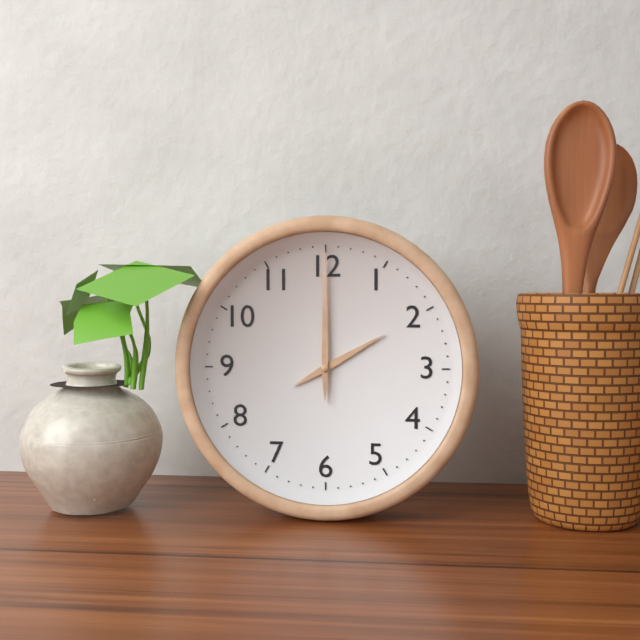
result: h=2 m=0
